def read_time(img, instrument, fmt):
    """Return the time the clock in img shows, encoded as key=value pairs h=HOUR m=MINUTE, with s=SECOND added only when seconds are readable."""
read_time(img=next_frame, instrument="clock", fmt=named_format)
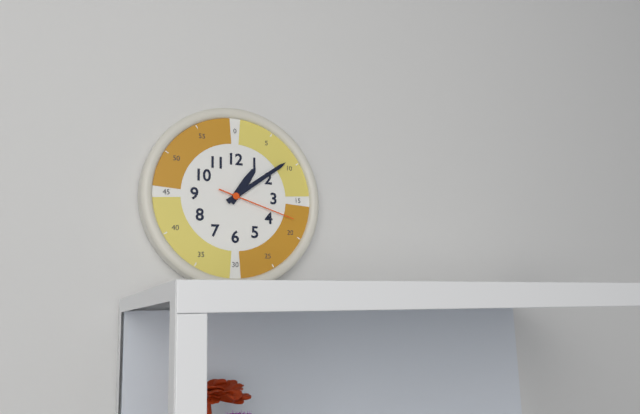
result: h=1 m=9 s=18
